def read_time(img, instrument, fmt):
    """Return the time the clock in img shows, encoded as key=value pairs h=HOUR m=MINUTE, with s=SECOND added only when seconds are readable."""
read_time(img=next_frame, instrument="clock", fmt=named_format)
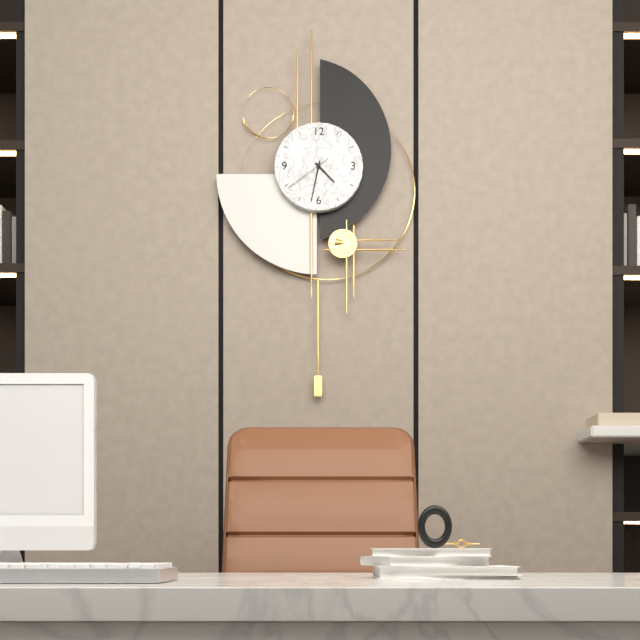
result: h=4 m=32
